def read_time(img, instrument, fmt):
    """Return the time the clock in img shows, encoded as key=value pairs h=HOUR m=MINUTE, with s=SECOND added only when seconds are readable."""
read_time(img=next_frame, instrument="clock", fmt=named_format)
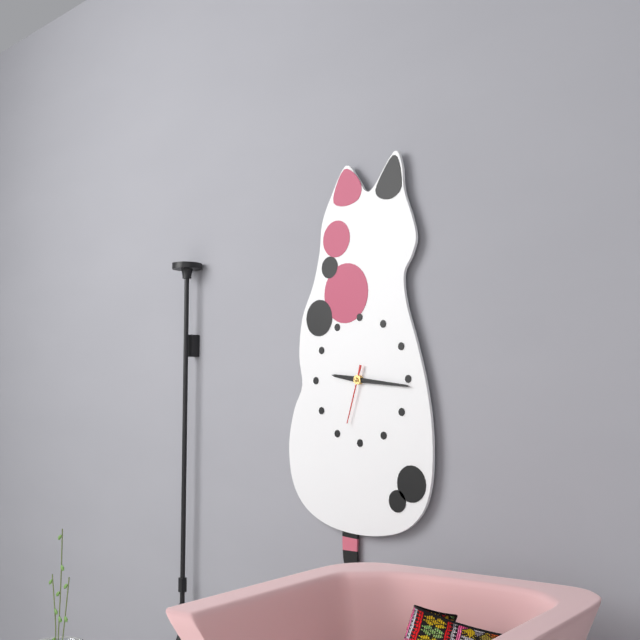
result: h=9 m=16 s=33
